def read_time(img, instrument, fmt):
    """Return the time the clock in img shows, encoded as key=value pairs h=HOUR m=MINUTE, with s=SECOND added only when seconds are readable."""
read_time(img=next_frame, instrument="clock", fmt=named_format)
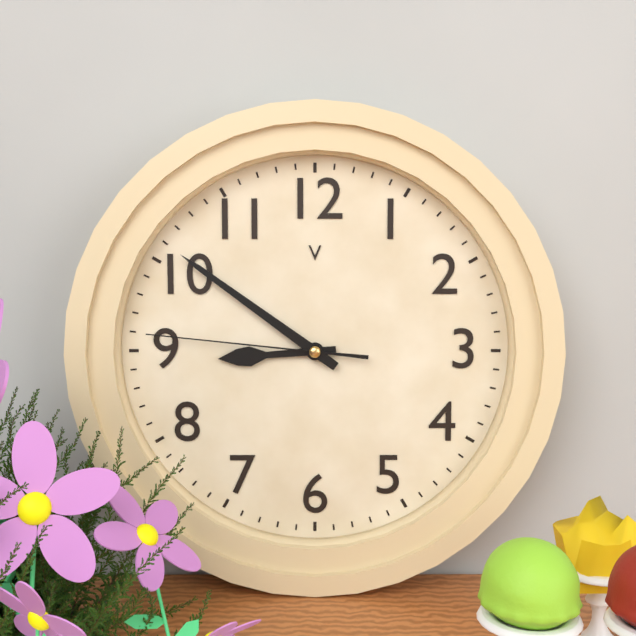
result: h=8 m=51 s=46
